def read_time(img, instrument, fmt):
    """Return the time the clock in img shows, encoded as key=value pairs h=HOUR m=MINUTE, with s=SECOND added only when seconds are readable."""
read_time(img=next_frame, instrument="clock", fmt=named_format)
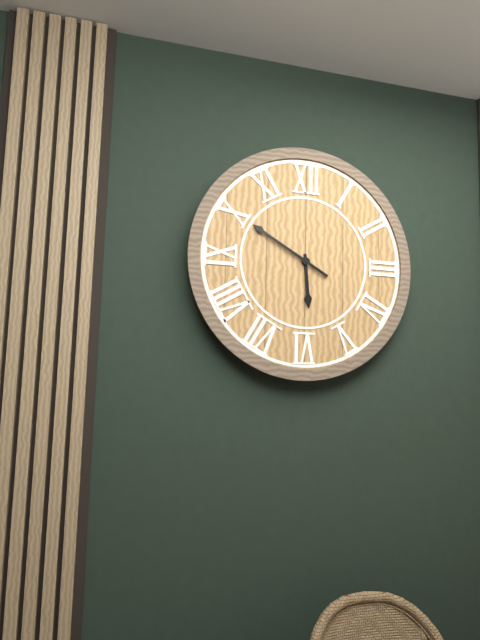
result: h=5 m=50
